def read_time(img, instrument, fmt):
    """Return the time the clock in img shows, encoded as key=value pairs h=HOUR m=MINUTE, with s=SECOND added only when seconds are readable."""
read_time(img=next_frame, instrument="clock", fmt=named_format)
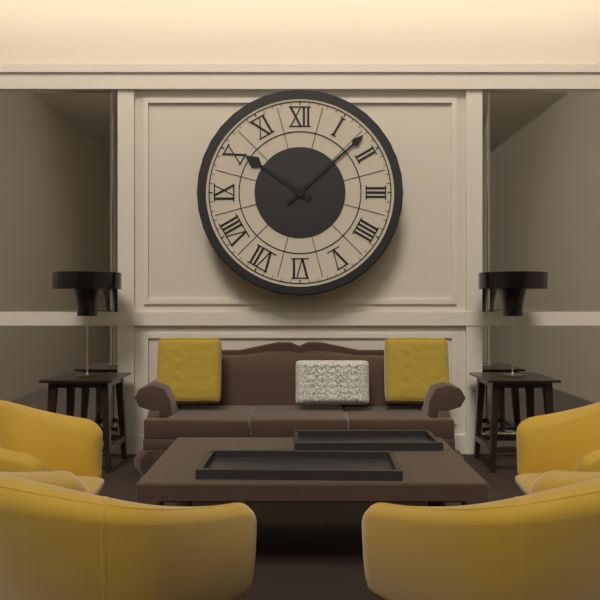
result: h=10 m=8
